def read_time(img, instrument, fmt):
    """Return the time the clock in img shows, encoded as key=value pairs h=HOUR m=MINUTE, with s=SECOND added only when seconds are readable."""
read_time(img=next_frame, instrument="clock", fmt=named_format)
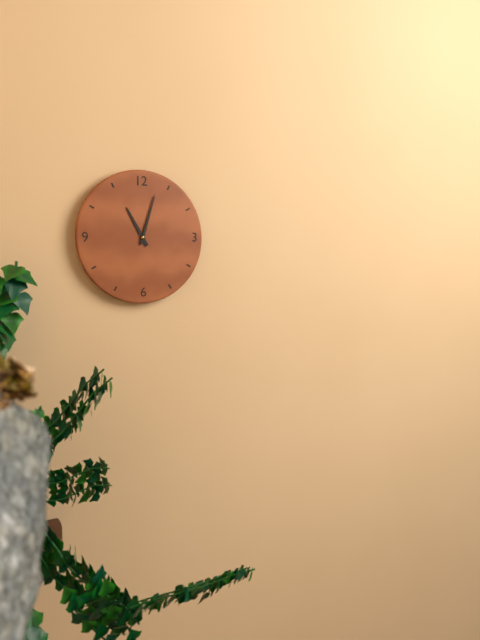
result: h=11 m=3
